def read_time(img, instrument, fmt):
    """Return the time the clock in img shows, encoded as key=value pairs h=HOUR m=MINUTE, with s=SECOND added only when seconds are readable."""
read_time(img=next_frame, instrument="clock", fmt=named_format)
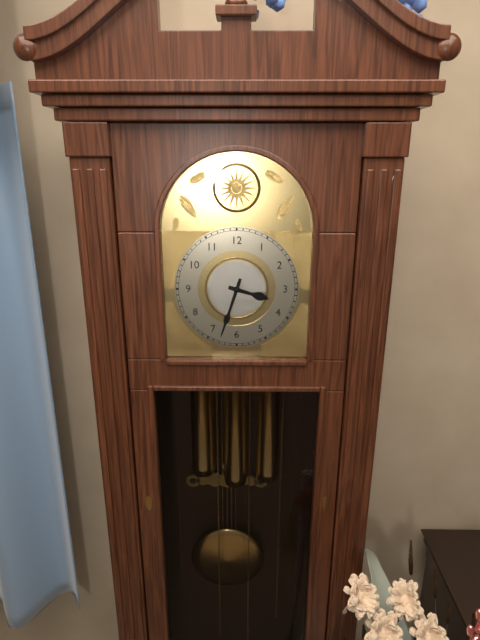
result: h=3 m=33
